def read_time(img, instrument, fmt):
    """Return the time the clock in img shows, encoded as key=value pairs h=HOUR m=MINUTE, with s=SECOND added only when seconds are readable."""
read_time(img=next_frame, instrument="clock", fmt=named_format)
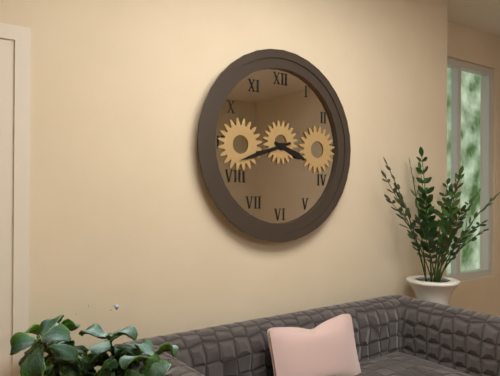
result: h=3 m=42
